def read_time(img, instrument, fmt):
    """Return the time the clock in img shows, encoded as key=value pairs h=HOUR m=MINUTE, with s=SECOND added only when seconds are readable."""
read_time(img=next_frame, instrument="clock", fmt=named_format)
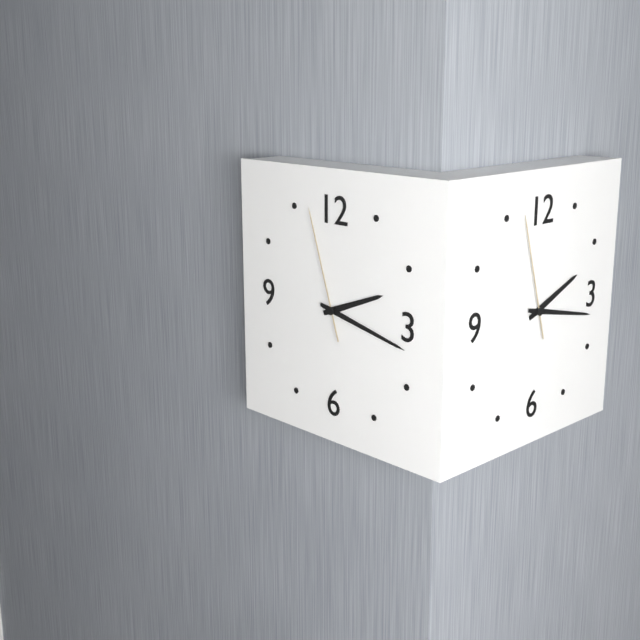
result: h=2 m=17 s=57
